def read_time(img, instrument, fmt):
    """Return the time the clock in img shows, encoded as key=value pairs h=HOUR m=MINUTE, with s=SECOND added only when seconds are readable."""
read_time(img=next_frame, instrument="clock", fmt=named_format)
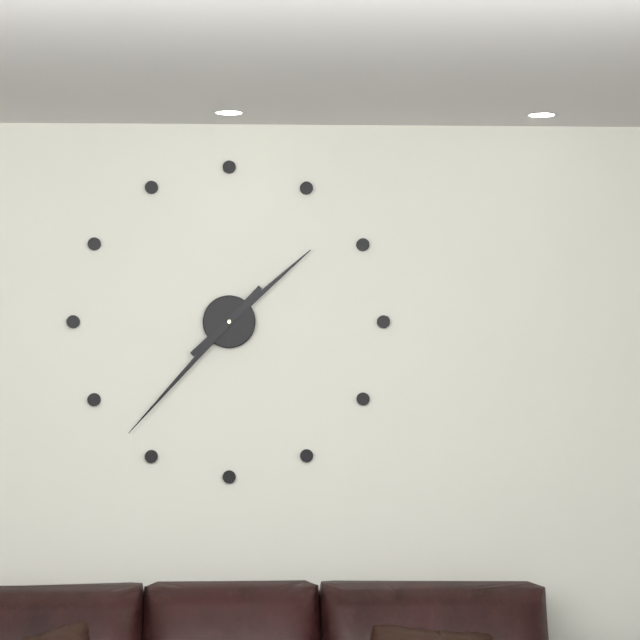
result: h=1 m=37
